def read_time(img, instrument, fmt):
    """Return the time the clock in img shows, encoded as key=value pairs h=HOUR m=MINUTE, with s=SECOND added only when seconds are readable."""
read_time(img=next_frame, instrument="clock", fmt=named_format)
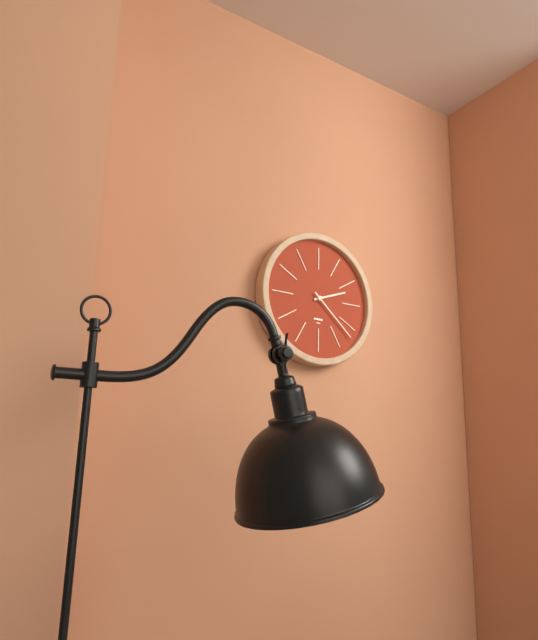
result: h=2 m=22
